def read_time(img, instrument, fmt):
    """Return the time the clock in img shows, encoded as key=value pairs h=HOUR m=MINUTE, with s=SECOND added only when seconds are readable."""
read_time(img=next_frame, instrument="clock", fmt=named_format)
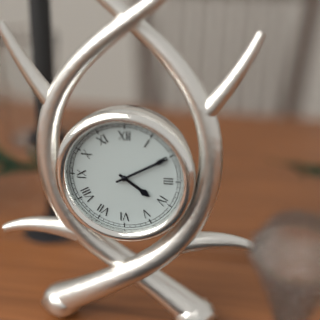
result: h=4 m=10
